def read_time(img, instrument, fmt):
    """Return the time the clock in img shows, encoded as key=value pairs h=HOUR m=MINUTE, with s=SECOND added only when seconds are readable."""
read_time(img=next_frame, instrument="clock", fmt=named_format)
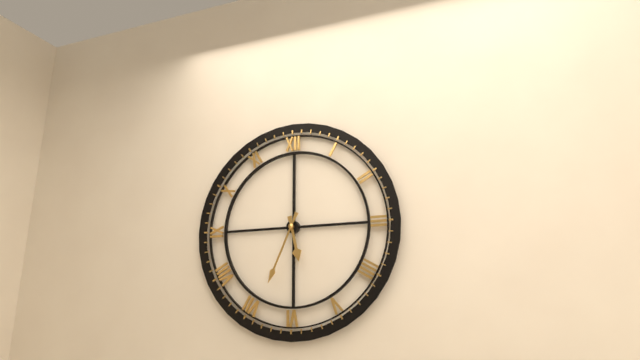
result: h=5 m=34
